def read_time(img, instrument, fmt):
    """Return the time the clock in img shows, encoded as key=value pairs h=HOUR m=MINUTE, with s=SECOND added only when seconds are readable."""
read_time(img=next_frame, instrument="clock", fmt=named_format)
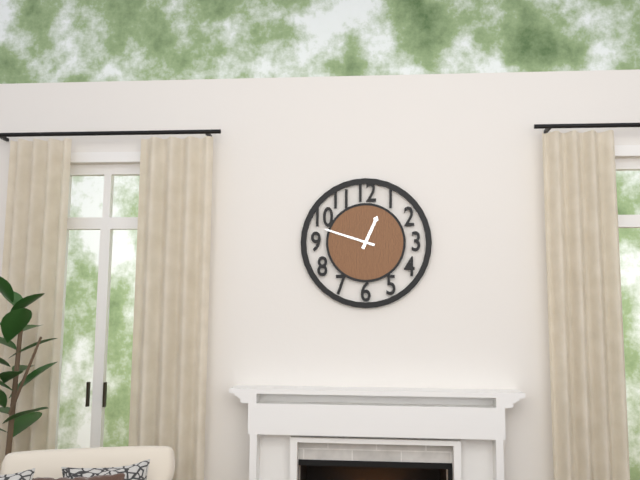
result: h=12 m=48
